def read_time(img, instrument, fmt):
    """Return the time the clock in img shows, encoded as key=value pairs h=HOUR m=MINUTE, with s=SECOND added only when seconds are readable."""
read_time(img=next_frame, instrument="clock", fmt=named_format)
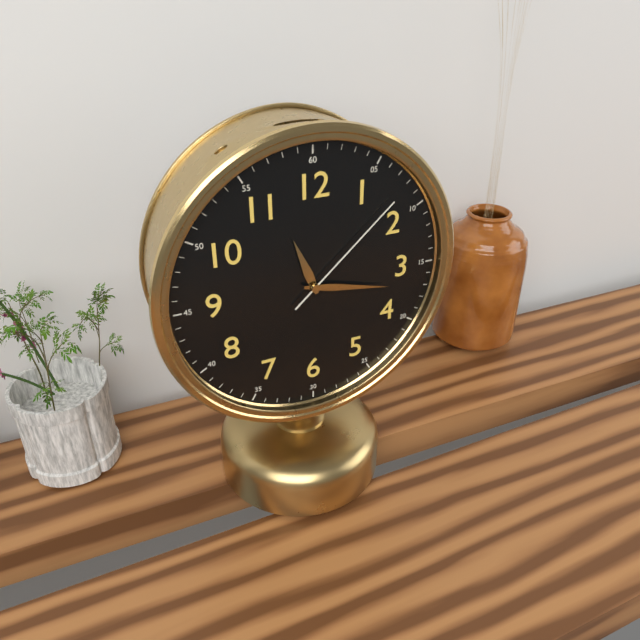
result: h=11 m=17 s=8
